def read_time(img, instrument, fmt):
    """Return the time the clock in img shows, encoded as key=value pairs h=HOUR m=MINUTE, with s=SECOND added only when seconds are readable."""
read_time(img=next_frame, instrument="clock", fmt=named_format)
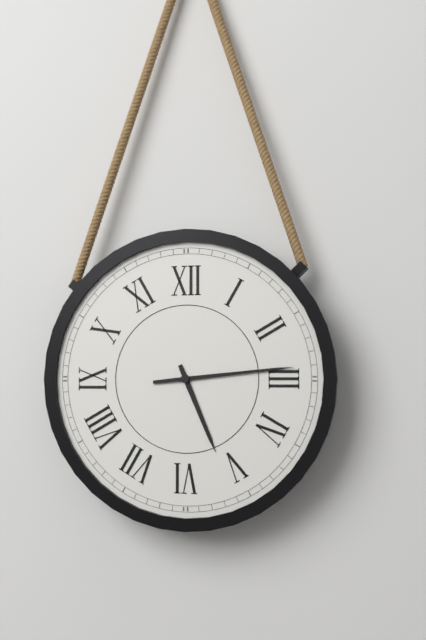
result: h=5 m=14
